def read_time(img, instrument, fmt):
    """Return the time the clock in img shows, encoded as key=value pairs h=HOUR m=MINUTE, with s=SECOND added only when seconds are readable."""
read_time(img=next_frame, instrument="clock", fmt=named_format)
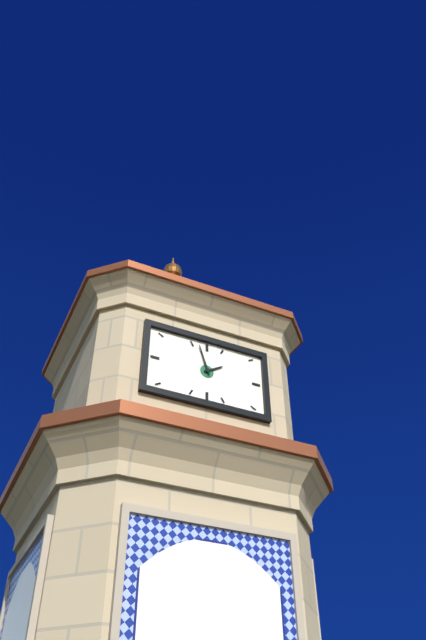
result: h=1 m=57
